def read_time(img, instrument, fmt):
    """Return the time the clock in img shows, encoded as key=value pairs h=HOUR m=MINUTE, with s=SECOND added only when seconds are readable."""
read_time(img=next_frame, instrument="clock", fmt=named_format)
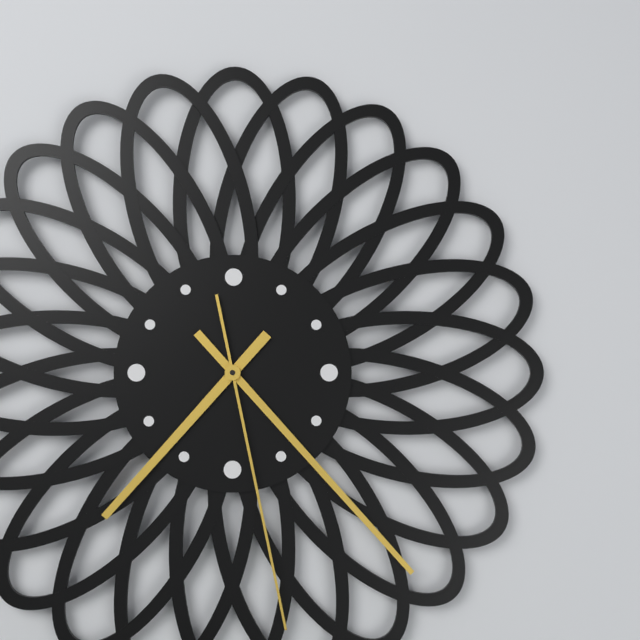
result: h=7 m=23 s=28
